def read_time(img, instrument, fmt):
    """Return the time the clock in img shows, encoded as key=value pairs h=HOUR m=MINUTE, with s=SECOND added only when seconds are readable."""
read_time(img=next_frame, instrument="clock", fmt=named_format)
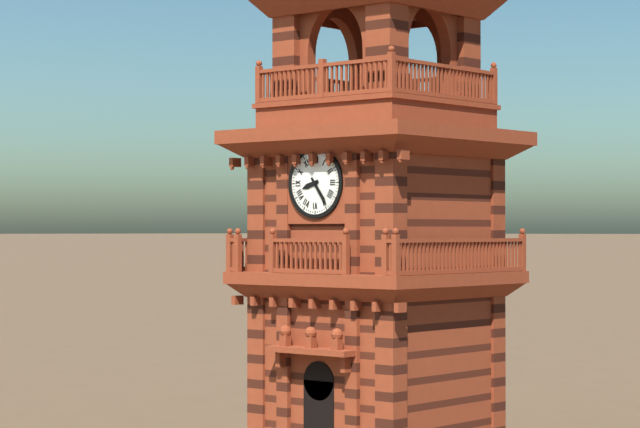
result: h=8 m=24
